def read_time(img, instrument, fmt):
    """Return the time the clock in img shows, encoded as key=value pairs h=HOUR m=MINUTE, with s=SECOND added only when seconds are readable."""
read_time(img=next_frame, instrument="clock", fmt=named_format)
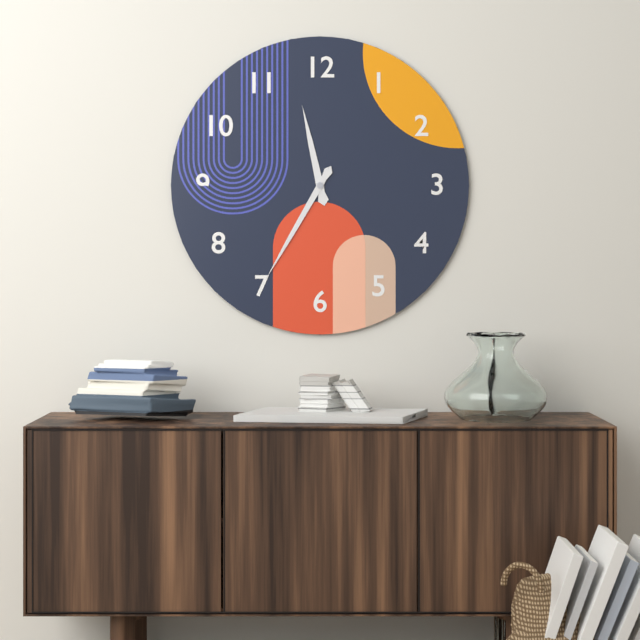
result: h=11 m=35
